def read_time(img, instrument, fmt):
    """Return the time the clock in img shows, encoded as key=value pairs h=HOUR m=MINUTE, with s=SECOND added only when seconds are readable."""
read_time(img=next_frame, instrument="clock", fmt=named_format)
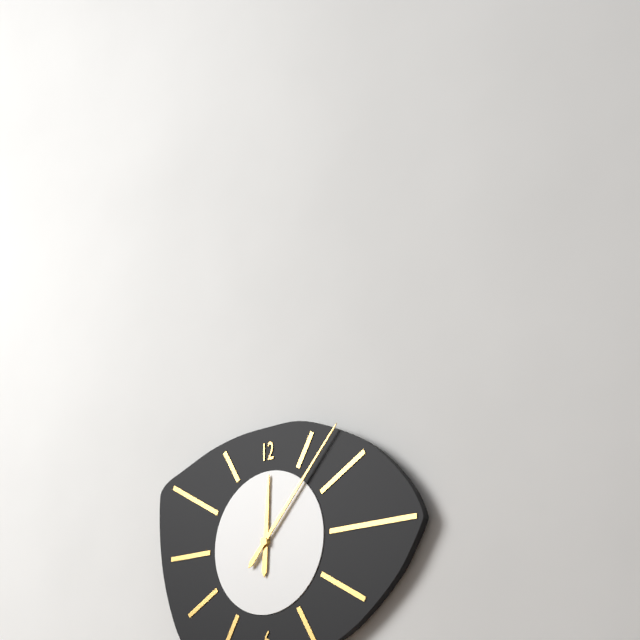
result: h=12 m=7
